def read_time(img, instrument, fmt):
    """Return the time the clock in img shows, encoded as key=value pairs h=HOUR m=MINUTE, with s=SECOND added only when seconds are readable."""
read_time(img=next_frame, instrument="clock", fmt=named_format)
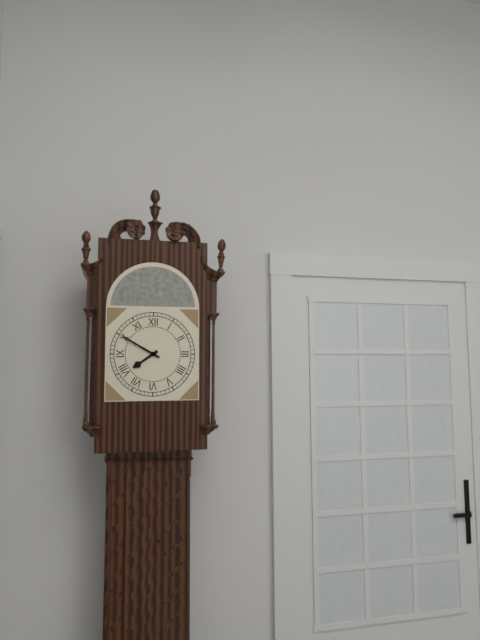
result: h=7 m=50
